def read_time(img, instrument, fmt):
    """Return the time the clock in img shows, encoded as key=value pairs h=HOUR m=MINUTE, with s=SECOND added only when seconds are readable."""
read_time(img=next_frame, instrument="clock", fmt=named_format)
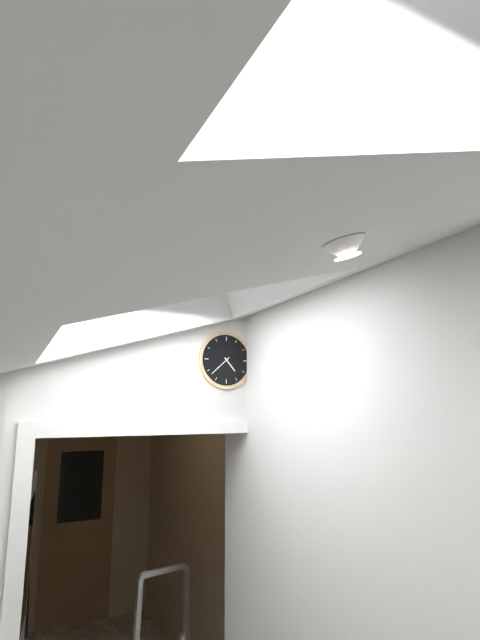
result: h=4 m=38
